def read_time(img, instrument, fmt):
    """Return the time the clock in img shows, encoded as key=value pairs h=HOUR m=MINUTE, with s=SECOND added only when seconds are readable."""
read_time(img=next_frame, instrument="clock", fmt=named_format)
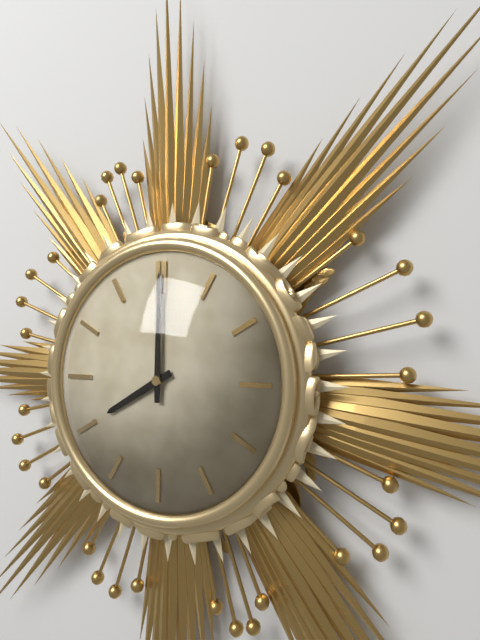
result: h=8 m=0
